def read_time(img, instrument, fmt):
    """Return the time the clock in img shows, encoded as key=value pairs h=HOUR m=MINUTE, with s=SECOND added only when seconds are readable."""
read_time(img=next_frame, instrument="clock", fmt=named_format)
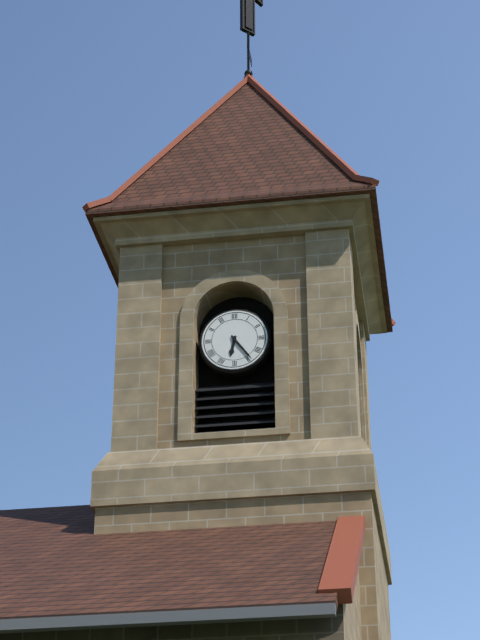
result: h=6 m=24
